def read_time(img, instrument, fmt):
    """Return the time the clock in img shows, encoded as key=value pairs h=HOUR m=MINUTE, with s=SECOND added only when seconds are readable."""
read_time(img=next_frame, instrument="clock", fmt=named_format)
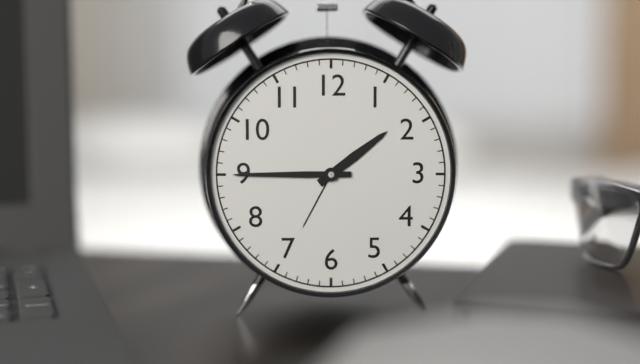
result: h=1 m=45
